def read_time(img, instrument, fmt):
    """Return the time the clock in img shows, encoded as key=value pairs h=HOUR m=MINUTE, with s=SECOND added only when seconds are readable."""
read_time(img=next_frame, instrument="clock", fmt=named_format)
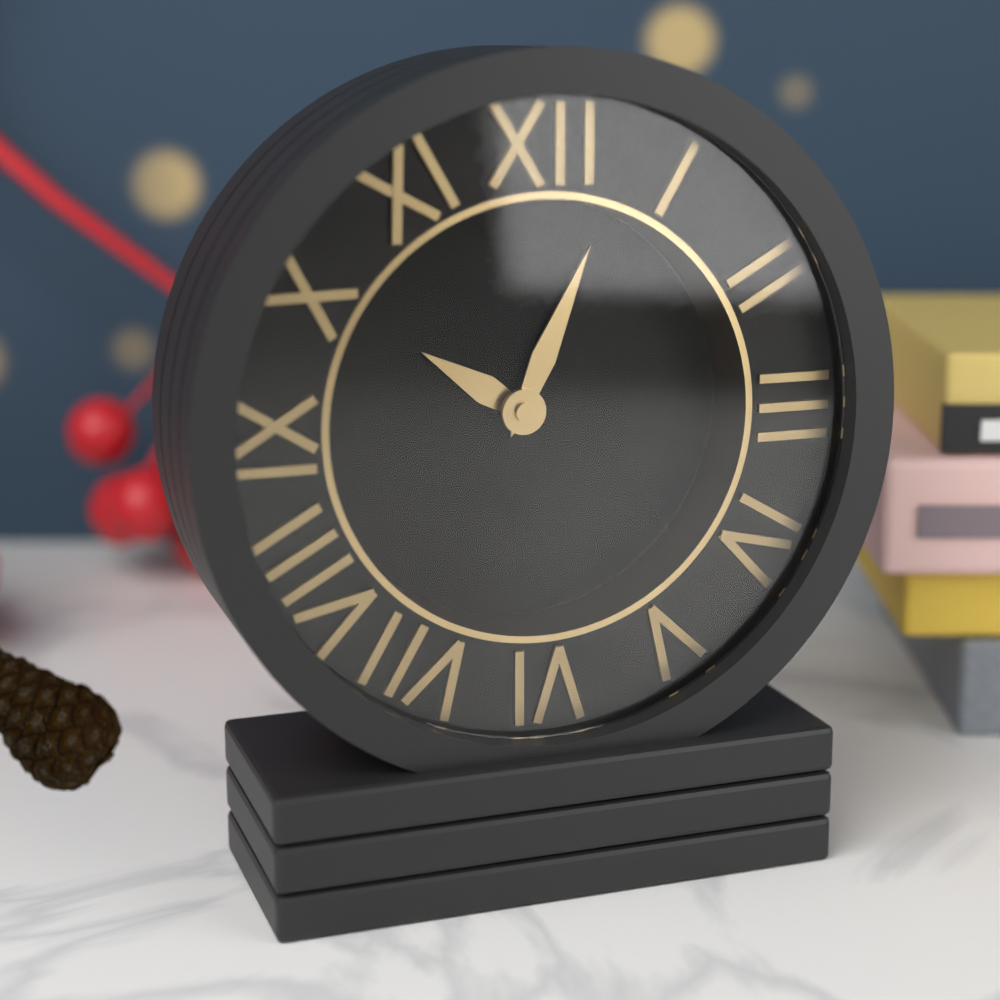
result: h=10 m=4
